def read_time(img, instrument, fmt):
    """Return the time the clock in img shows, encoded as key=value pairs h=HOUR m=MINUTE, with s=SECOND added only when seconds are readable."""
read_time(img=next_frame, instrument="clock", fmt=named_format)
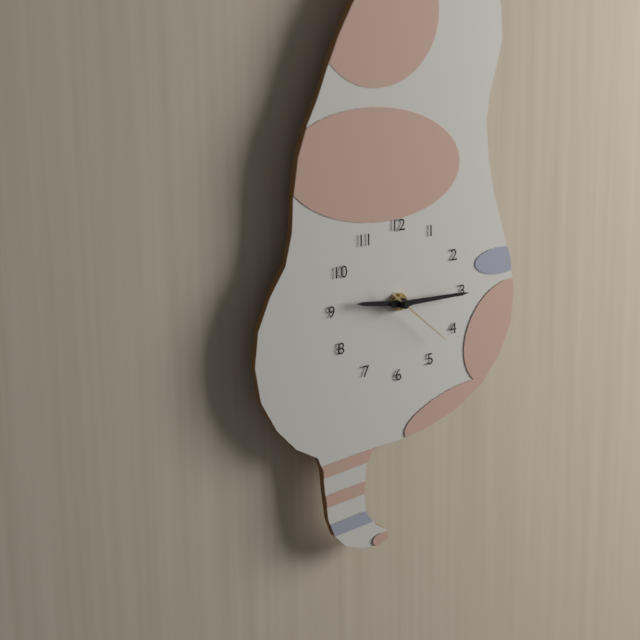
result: h=9 m=15 s=22
